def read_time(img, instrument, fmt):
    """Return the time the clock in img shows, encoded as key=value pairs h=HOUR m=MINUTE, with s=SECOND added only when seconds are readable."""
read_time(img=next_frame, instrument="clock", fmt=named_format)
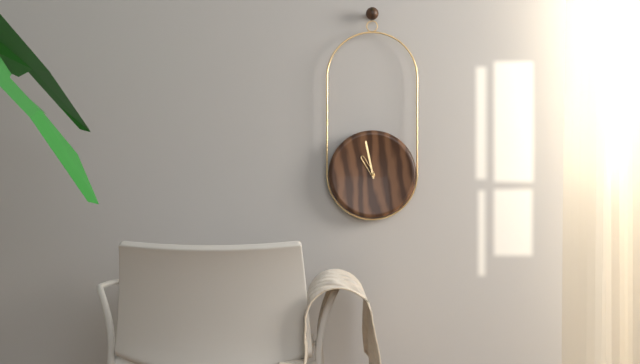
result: h=10 m=58
